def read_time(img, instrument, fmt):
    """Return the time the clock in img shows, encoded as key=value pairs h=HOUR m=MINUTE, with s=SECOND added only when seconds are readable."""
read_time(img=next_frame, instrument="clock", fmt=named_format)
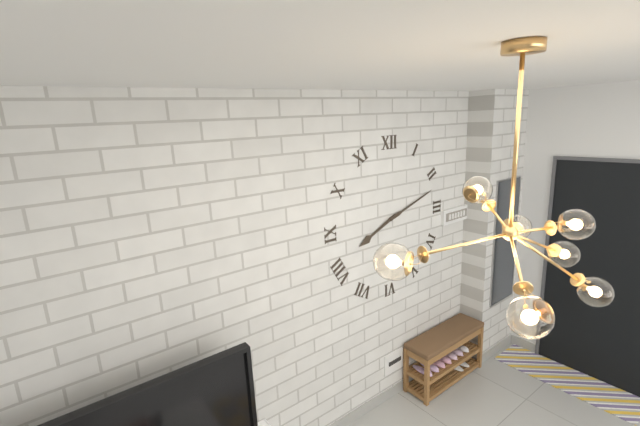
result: h=8 m=12
